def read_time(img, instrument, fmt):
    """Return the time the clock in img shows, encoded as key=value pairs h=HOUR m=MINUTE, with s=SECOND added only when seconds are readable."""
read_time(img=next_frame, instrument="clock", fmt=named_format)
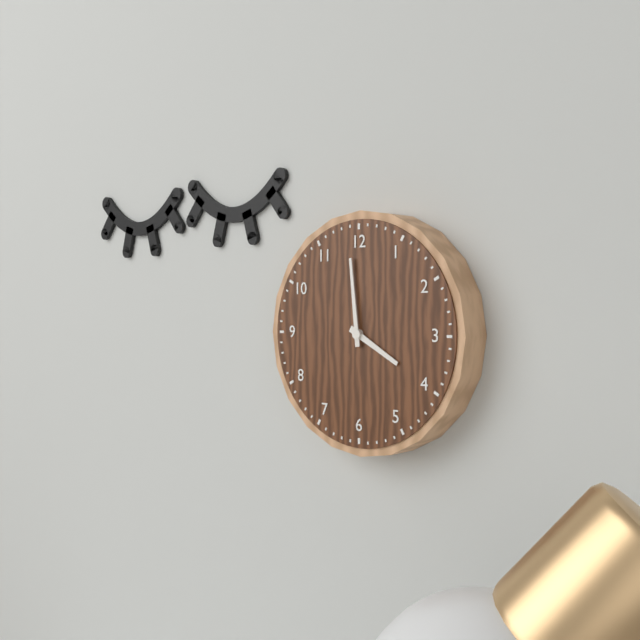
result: h=3 m=59
